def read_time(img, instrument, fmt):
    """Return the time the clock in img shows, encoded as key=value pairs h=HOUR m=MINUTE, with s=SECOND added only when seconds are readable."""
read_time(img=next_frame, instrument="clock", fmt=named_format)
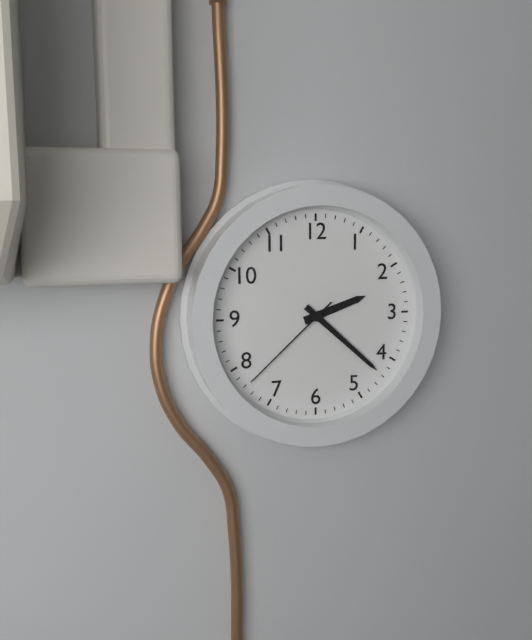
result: h=2 m=22 s=38
